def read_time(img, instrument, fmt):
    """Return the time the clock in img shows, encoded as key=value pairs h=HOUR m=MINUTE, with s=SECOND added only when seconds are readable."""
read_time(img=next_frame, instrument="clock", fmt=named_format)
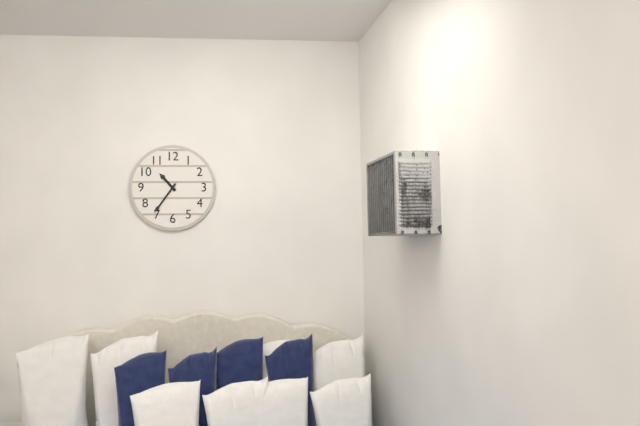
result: h=10 m=36
